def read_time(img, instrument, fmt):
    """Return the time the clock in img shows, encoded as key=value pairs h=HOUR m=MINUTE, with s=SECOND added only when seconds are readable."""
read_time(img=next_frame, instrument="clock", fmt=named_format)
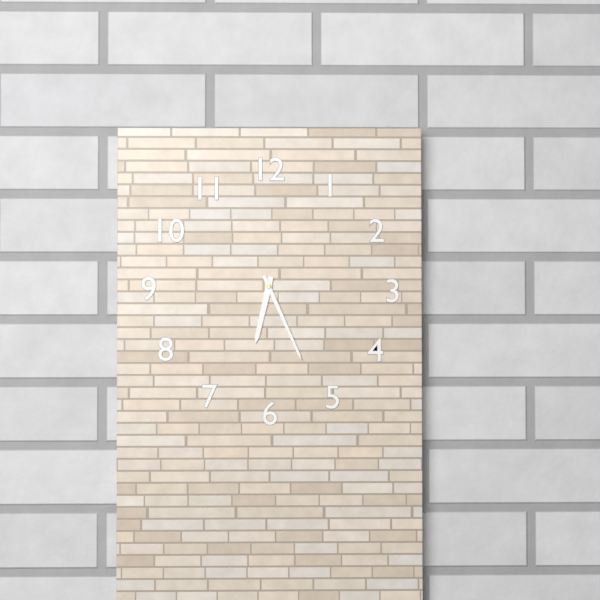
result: h=6 m=26
